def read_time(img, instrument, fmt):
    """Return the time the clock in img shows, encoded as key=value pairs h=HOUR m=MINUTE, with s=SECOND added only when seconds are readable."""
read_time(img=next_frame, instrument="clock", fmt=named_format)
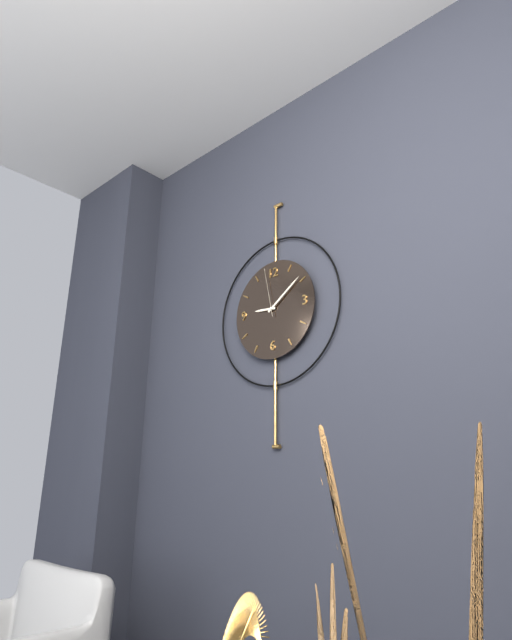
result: h=9 m=9 s=58
